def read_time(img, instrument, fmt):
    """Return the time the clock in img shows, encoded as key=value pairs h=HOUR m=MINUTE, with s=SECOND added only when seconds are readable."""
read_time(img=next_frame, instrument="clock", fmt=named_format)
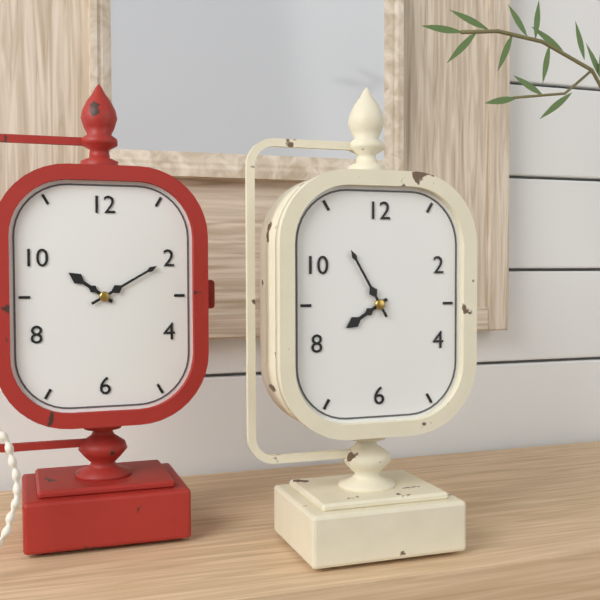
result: h=7 m=55
